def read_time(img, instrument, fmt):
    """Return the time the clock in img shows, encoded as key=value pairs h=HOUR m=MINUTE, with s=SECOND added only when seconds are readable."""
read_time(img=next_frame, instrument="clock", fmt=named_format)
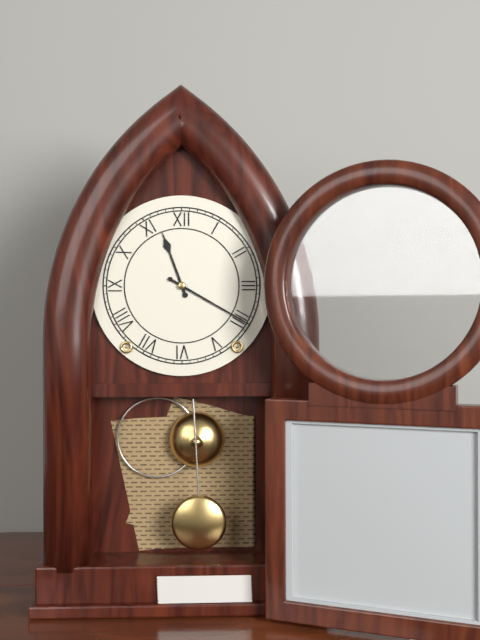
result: h=11 m=20
